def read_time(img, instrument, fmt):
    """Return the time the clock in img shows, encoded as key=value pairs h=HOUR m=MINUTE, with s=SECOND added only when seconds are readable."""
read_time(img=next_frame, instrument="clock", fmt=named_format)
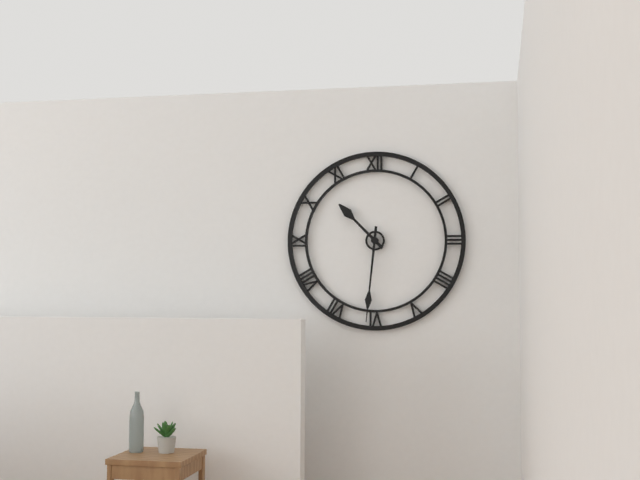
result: h=10 m=31
